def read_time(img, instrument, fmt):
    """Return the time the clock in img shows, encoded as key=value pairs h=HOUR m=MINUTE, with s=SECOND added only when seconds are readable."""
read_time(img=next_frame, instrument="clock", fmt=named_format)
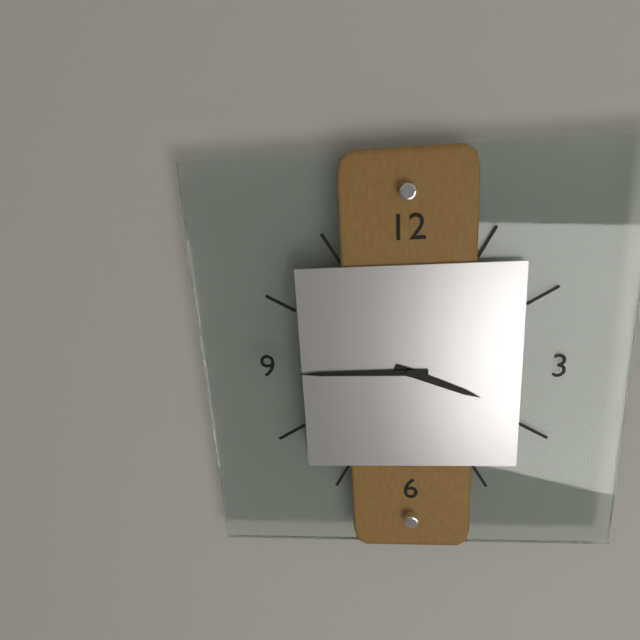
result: h=3 m=45
